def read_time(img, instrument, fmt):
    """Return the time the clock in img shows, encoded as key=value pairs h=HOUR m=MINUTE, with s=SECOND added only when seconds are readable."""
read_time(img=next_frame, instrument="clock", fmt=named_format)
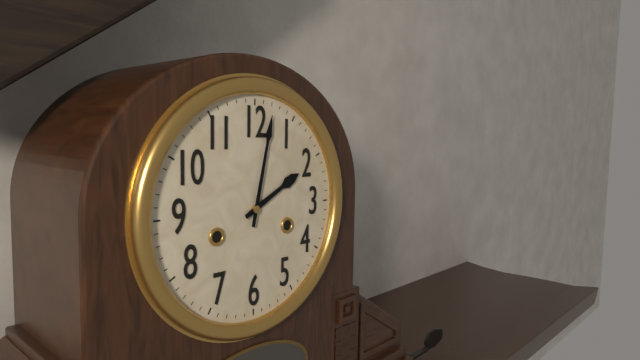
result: h=2 m=2
